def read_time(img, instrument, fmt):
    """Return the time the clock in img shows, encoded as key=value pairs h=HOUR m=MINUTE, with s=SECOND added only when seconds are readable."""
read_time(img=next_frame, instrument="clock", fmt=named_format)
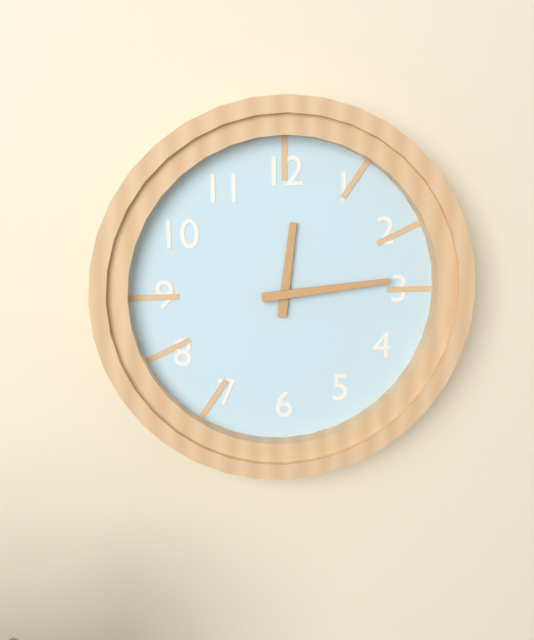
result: h=12 m=14
